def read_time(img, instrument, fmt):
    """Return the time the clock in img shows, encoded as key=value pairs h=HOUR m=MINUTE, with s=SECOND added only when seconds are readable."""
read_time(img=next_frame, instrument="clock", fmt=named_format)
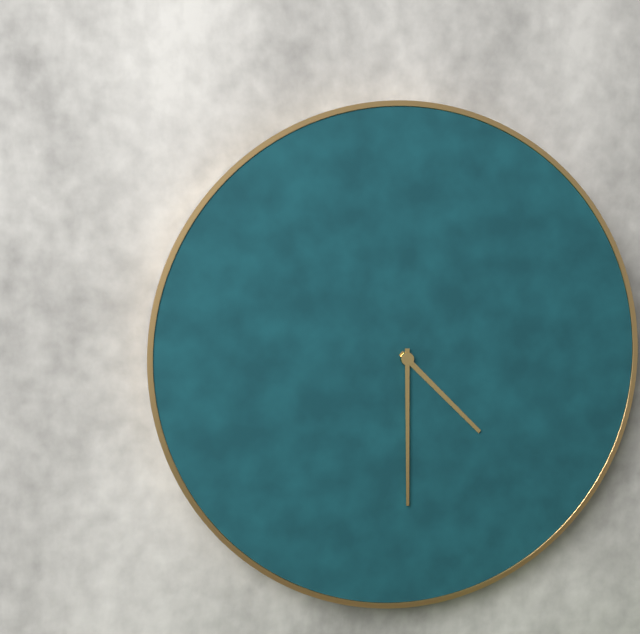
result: h=4 m=30
